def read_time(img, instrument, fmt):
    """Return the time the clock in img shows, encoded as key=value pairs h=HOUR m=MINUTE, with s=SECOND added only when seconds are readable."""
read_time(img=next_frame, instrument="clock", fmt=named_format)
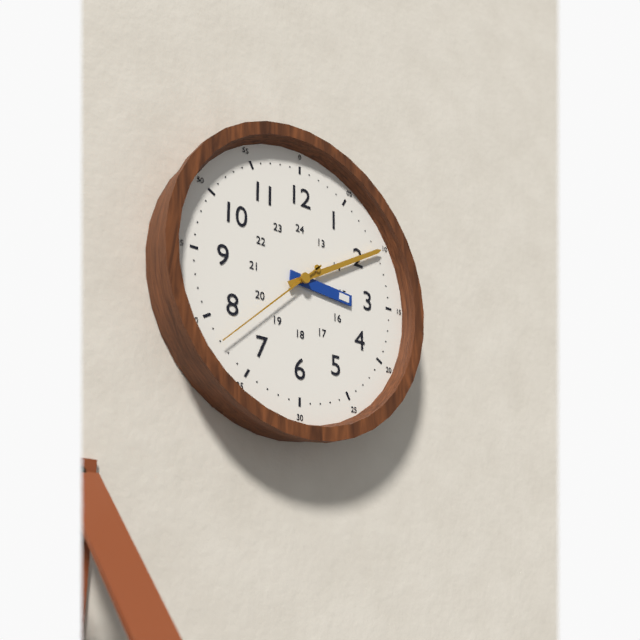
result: h=3 m=10 s=38
